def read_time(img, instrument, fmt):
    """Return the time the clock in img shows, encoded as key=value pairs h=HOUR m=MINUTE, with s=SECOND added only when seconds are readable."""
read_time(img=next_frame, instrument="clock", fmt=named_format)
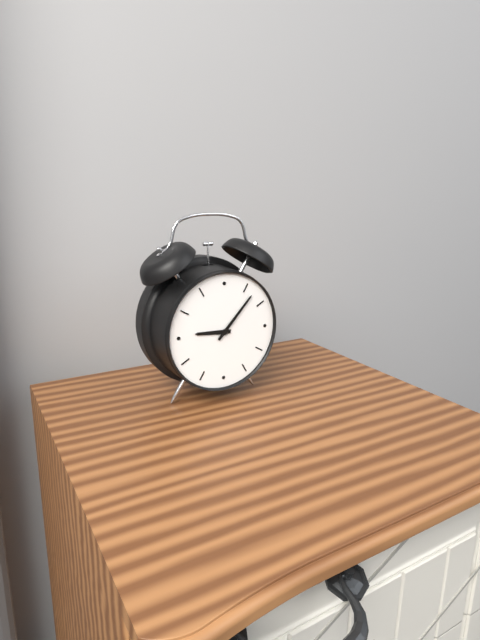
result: h=9 m=7
